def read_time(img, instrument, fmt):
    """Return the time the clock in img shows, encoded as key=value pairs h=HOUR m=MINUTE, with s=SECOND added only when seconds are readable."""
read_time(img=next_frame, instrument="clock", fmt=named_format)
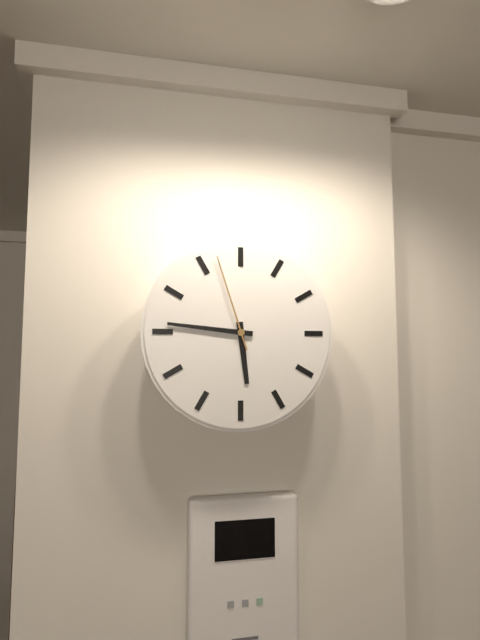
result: h=5 m=46 s=57
